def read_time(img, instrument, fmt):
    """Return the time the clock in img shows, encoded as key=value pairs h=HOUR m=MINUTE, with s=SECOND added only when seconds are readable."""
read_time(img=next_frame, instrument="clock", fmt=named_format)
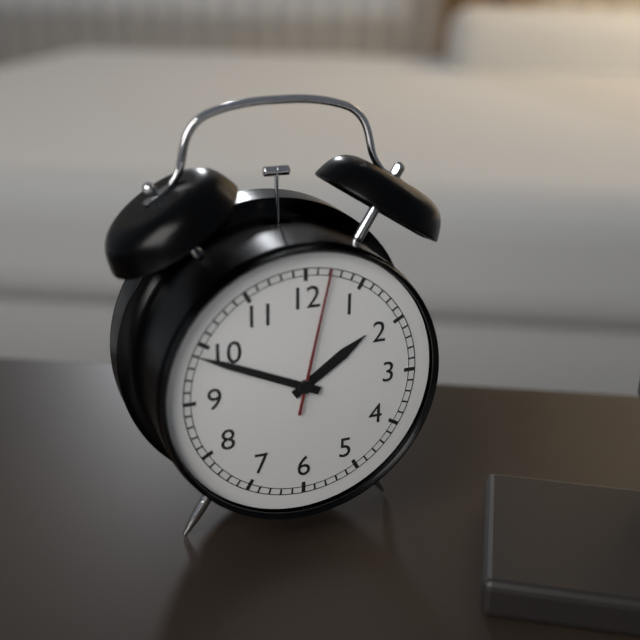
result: h=1 m=49 s=2
